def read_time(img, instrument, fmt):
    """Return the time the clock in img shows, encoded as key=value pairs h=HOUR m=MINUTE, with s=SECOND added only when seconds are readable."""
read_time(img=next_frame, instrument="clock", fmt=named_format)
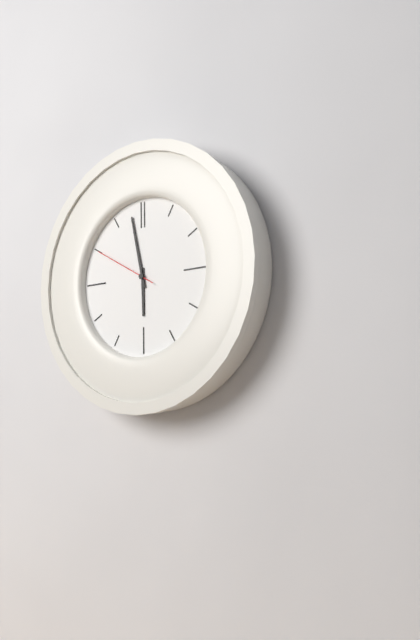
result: h=5 m=58 s=50
